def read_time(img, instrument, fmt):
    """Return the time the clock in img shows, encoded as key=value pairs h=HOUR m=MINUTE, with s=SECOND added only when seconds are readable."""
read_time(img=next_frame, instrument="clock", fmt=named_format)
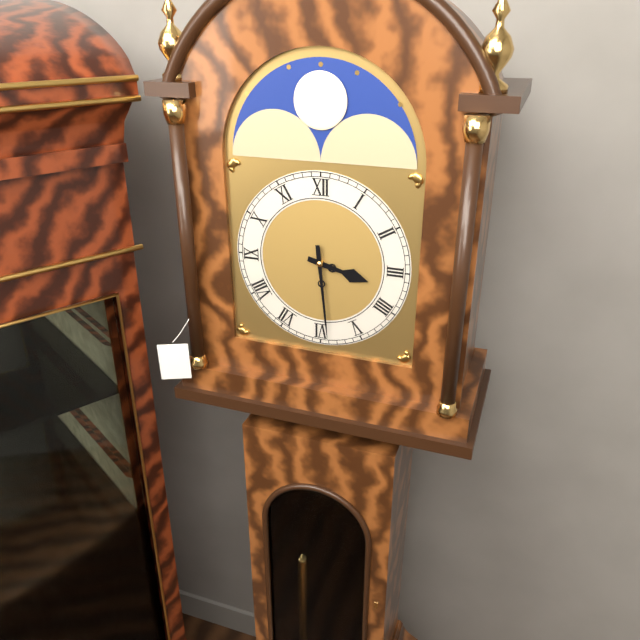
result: h=3 m=29
